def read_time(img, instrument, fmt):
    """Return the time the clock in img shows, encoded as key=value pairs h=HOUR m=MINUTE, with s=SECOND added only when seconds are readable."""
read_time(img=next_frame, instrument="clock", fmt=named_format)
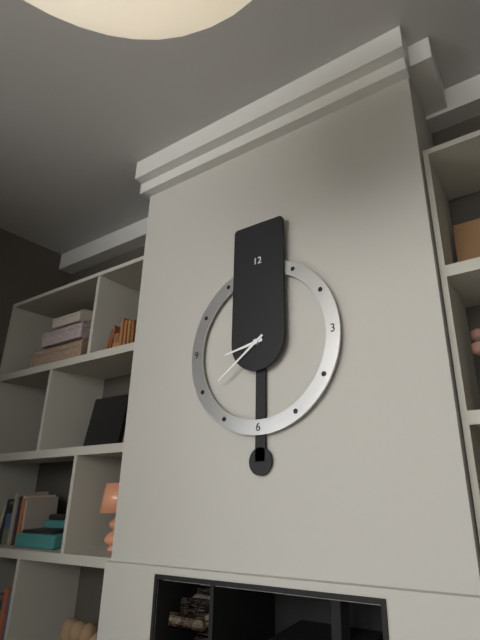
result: h=8 m=39
